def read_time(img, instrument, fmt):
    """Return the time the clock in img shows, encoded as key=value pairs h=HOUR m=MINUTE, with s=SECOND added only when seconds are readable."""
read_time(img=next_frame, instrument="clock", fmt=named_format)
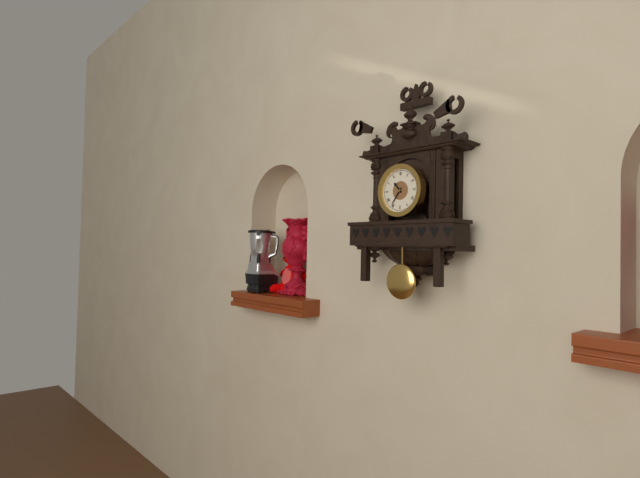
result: h=10 m=36
